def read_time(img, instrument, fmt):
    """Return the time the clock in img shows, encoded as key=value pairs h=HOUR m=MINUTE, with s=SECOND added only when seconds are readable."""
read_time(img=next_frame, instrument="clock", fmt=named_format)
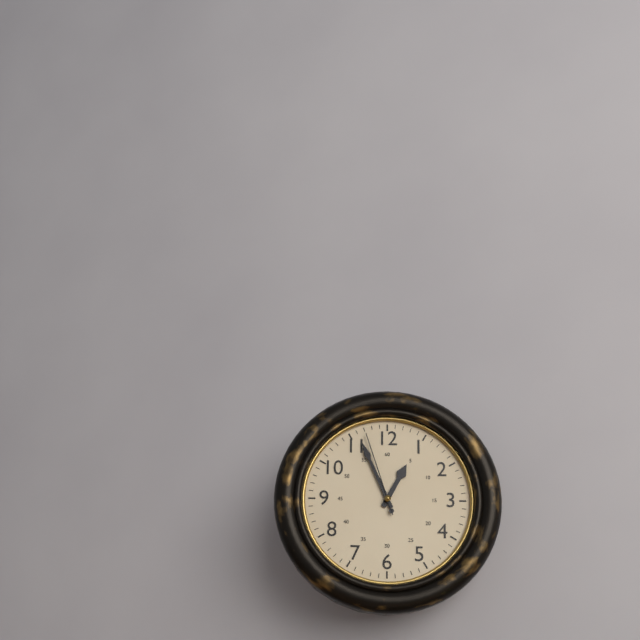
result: h=12 m=56 s=57
